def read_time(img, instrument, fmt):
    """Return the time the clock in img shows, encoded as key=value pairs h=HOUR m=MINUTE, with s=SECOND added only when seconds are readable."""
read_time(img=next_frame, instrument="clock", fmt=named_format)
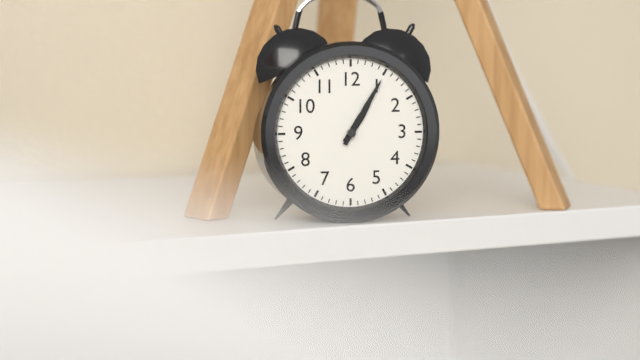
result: h=1 m=5
